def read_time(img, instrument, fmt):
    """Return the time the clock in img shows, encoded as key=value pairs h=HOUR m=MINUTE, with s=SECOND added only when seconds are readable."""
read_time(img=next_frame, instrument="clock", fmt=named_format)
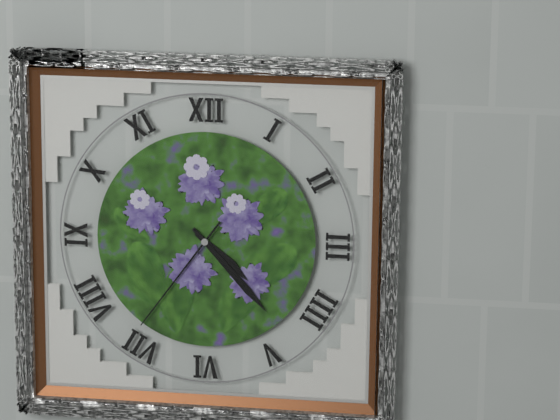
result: h=4 m=23 s=36
